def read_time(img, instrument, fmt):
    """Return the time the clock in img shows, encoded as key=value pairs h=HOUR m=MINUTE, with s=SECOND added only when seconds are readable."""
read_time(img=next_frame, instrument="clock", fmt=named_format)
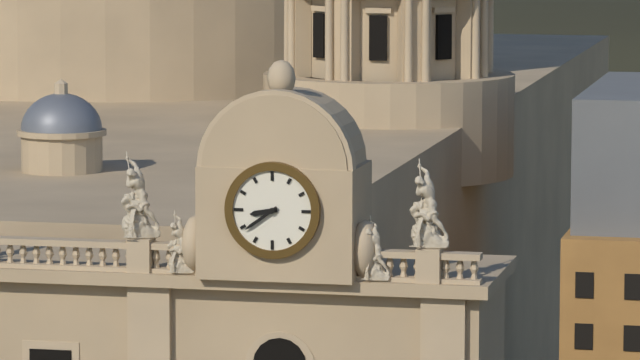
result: h=8 m=39
